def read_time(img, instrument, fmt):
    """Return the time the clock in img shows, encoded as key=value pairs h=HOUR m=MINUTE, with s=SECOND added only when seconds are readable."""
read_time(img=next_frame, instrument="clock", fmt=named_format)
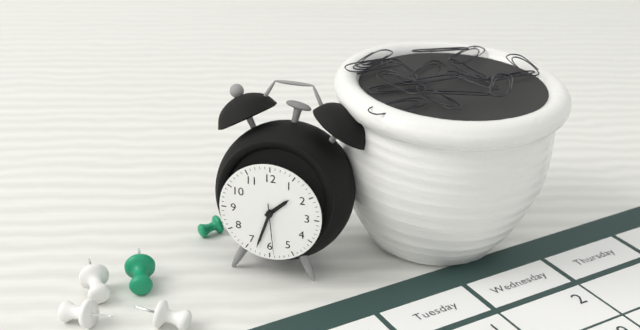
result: h=1 m=33 s=29
